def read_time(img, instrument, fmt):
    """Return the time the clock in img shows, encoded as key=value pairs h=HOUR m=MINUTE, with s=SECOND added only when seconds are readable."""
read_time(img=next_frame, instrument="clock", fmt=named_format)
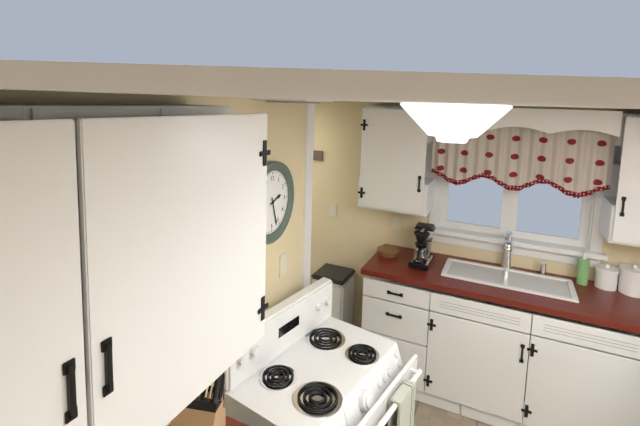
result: h=2 m=27
